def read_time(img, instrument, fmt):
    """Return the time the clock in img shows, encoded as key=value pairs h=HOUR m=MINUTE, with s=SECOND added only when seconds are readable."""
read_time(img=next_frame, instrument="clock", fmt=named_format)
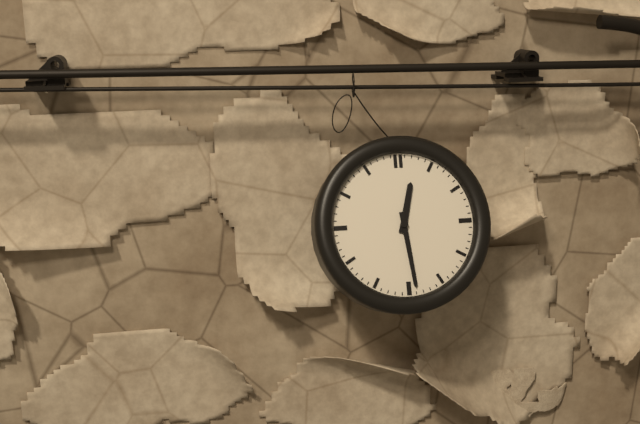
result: h=12 m=29
